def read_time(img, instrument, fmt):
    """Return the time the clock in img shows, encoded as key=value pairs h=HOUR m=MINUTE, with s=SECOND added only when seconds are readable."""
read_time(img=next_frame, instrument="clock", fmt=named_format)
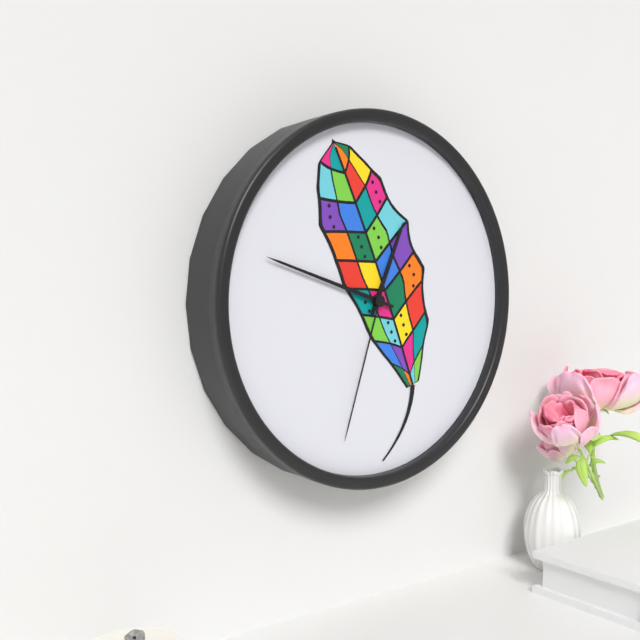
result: h=12 m=48 s=33
